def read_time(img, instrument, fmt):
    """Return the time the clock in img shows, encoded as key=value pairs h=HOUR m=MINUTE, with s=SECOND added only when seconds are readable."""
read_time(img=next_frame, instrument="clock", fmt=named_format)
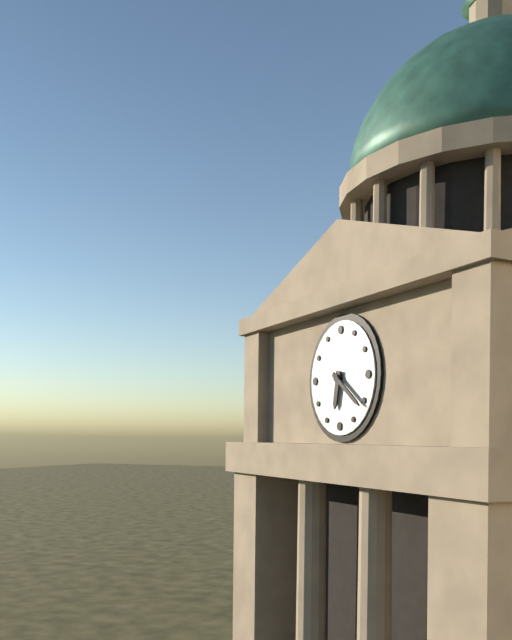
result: h=6 m=21
